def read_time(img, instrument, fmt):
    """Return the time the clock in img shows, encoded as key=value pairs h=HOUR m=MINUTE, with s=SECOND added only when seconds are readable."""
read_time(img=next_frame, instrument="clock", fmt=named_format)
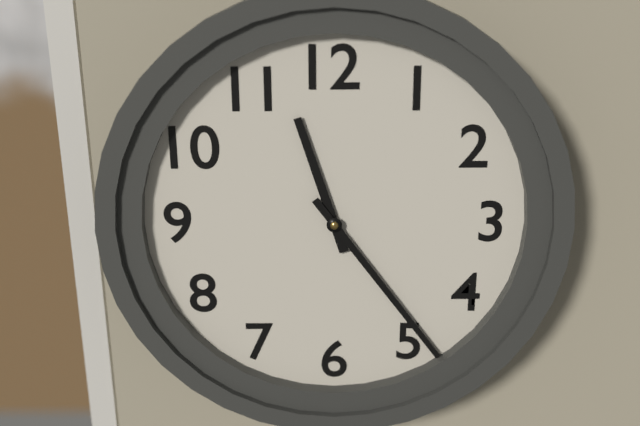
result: h=11 m=24
